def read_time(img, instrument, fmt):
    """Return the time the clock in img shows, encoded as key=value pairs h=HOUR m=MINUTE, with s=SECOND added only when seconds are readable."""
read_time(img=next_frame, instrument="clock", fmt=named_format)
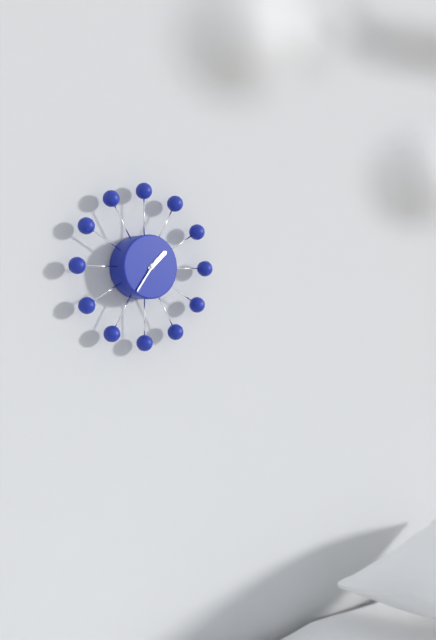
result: h=1 m=36
